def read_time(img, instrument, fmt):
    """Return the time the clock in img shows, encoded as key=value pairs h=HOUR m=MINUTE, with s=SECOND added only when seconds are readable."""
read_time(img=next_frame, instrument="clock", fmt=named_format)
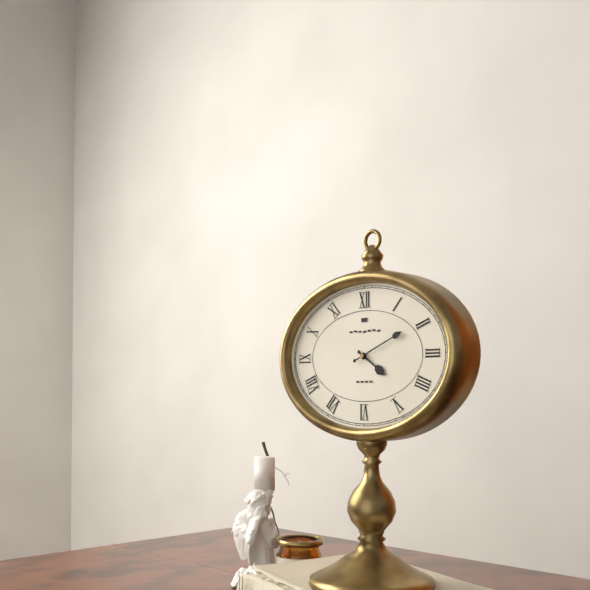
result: h=4 m=11
